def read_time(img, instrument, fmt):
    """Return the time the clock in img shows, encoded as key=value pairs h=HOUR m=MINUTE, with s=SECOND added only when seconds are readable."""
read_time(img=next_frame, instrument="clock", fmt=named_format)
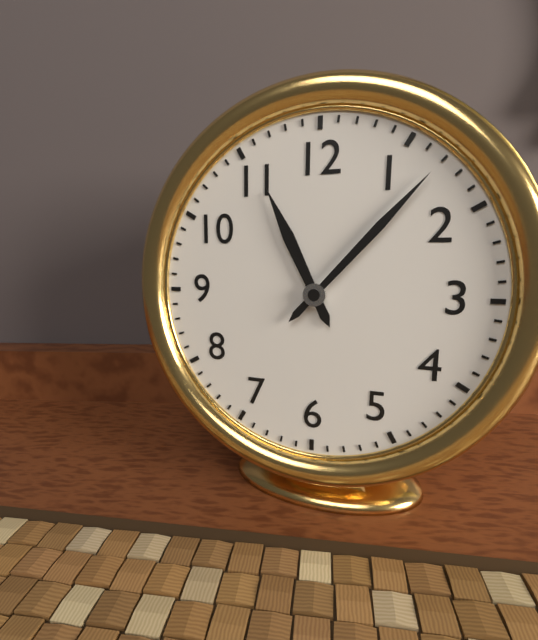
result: h=11 m=7
